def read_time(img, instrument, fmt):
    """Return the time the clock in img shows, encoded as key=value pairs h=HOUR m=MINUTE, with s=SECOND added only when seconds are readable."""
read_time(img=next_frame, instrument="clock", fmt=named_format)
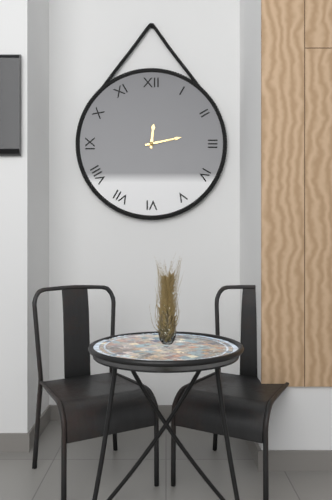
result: h=12 m=13
